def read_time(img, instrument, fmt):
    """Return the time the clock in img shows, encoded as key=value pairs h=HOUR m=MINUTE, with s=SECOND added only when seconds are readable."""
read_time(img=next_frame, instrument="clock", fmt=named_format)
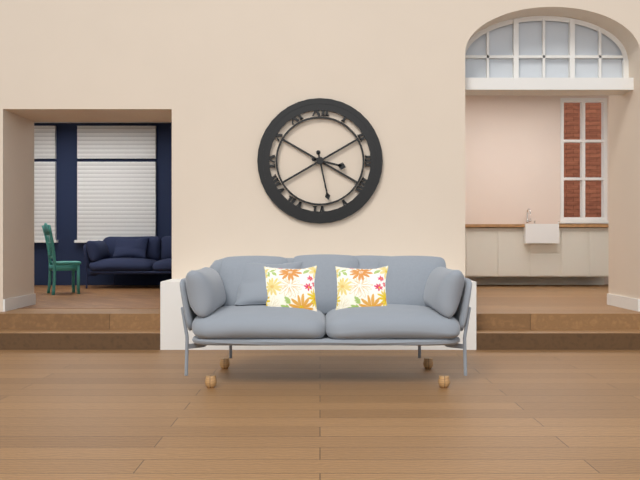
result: h=3 m=28
